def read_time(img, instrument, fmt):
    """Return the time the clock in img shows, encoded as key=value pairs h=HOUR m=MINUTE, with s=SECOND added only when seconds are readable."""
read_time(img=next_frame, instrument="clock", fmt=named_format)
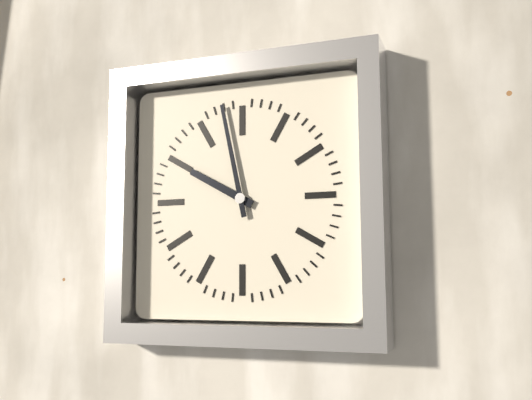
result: h=9 m=58
